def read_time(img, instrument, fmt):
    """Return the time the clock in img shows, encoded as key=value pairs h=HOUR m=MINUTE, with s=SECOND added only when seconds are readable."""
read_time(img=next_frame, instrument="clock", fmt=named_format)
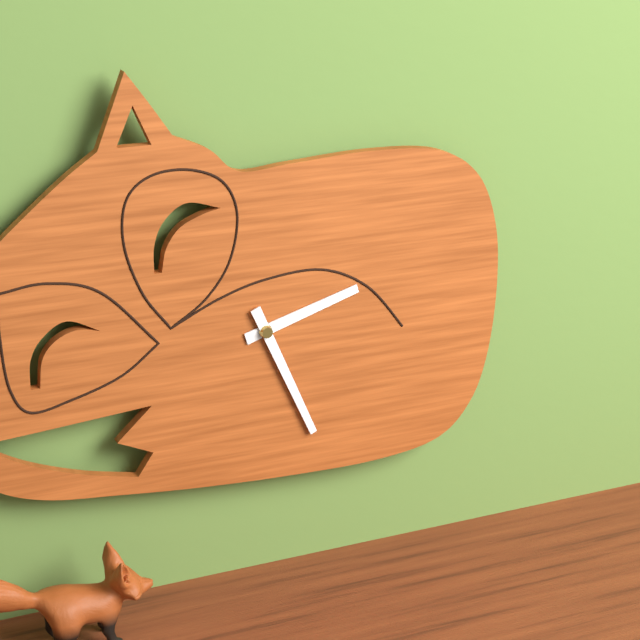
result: h=2 m=26
